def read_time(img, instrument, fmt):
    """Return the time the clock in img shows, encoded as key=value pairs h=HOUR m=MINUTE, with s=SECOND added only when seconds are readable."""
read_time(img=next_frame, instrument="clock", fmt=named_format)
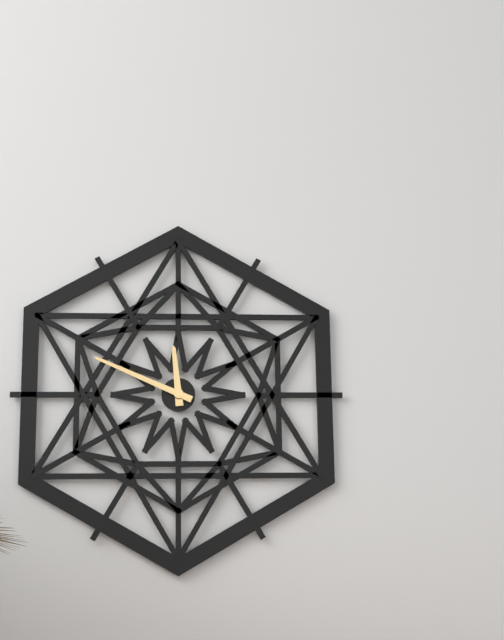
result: h=11 m=49
